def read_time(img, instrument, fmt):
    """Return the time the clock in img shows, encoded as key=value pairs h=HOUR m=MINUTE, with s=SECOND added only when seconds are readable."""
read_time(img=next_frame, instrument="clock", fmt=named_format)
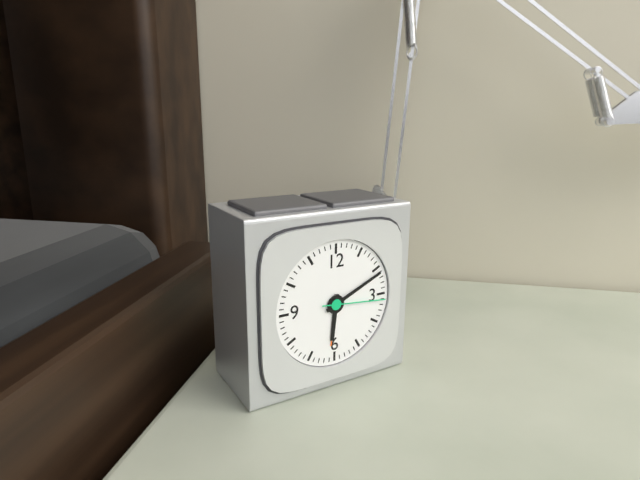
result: h=6 m=11 s=16
